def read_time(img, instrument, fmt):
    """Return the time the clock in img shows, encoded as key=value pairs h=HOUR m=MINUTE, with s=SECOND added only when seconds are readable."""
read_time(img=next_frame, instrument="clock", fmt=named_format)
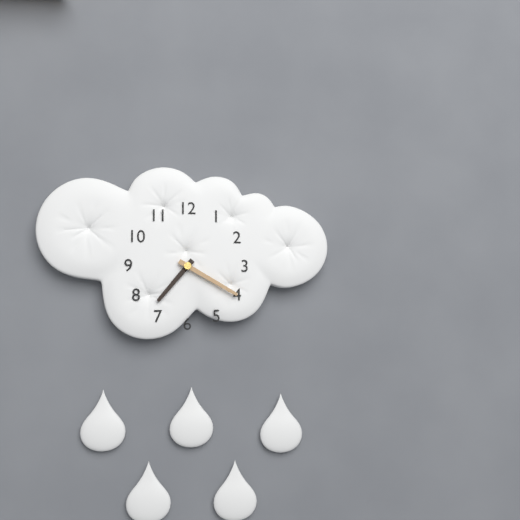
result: h=7 m=20
